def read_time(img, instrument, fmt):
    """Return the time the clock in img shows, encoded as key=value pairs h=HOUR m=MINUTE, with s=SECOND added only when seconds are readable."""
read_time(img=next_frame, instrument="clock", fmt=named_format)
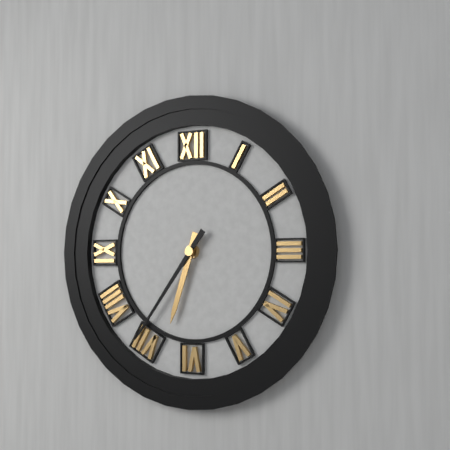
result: h=6 m=36
